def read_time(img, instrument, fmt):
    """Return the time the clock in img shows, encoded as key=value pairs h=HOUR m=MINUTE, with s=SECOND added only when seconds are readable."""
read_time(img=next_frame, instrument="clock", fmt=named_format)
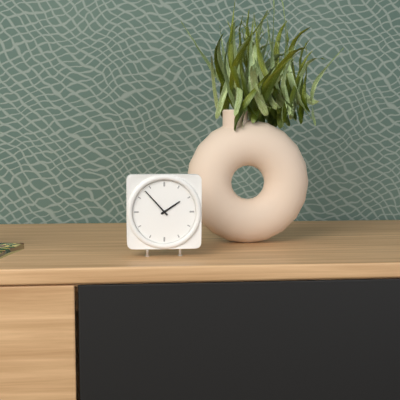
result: h=1 m=53
